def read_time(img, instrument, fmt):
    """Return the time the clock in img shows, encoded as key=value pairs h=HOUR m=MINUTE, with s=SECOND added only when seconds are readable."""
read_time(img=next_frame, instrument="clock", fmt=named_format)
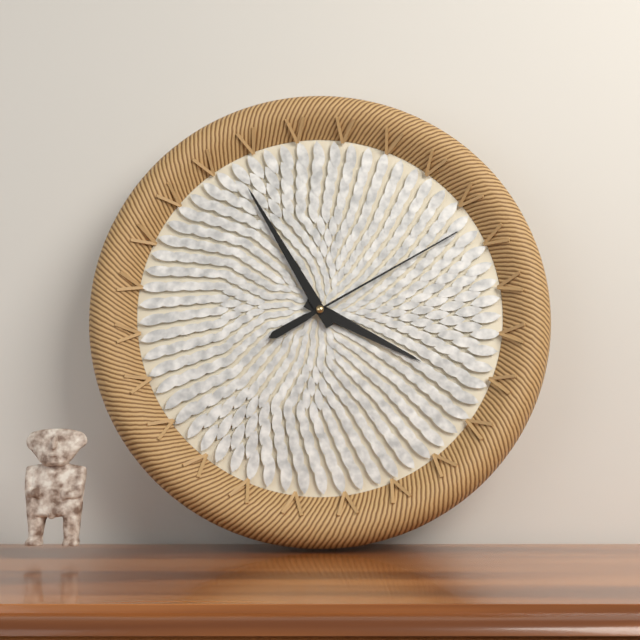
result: h=3 m=55 s=10
